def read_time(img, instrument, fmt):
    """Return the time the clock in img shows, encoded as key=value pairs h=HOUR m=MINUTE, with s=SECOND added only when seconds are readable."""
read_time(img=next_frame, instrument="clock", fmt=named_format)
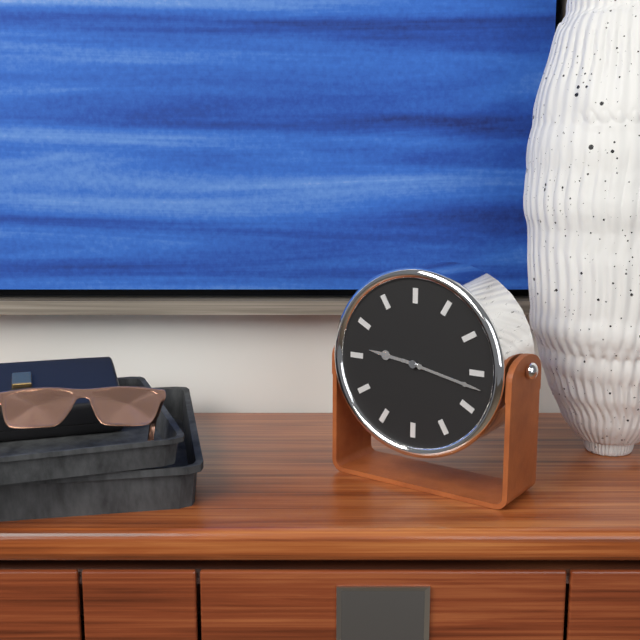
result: h=9 m=17
